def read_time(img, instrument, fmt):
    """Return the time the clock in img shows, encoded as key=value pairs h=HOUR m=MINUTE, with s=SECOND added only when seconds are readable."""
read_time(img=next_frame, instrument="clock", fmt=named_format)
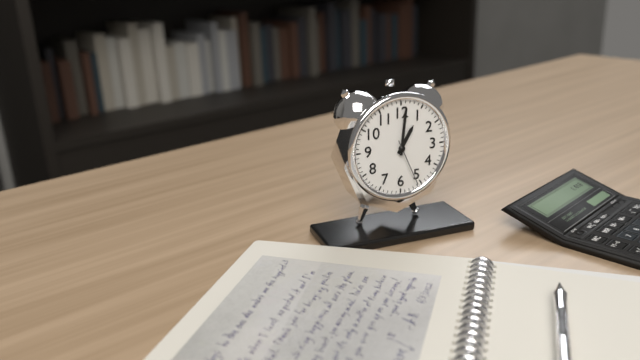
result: h=1 m=1 s=26
